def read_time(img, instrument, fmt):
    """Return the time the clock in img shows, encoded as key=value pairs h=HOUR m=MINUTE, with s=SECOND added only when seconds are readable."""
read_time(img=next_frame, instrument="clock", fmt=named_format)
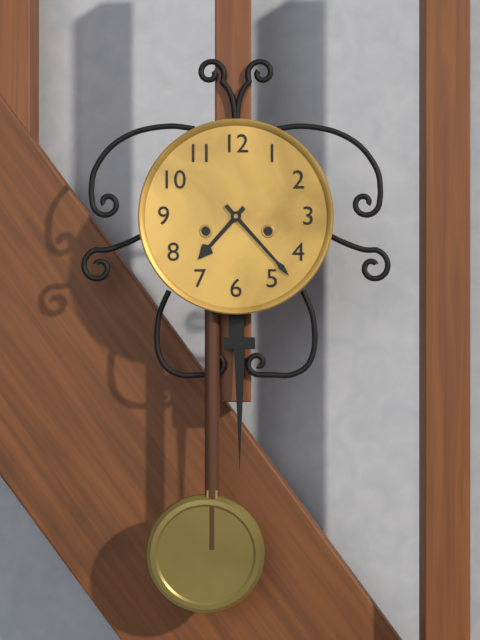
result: h=7 m=23
